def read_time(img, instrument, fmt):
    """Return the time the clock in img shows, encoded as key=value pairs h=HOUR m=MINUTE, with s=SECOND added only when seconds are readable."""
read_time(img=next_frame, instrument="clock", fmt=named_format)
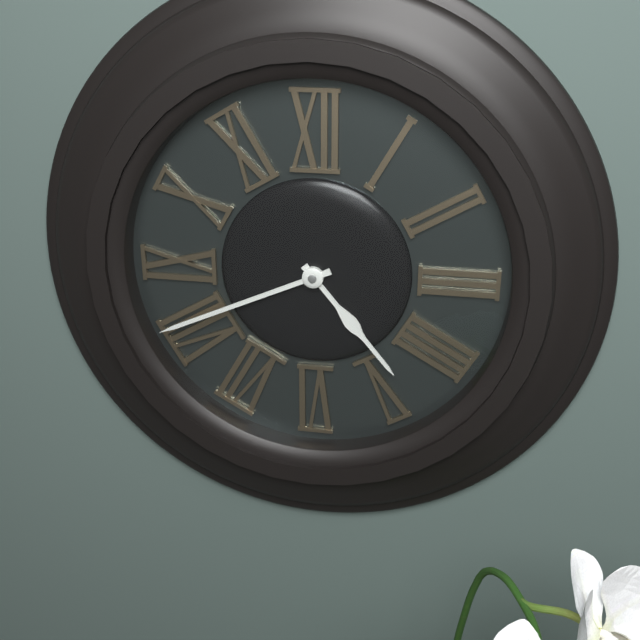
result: h=4 m=41
